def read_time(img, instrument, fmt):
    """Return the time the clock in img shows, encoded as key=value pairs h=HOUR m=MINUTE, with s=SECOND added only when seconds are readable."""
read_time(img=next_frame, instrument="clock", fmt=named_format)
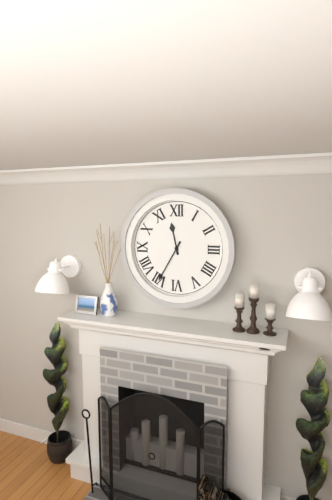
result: h=11 m=35
